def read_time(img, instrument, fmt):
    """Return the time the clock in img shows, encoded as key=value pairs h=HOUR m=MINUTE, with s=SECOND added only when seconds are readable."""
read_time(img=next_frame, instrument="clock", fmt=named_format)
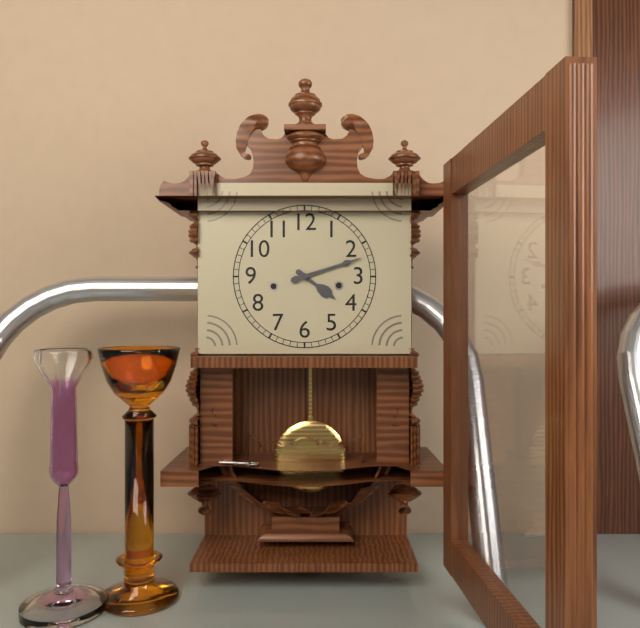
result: h=4 m=12
